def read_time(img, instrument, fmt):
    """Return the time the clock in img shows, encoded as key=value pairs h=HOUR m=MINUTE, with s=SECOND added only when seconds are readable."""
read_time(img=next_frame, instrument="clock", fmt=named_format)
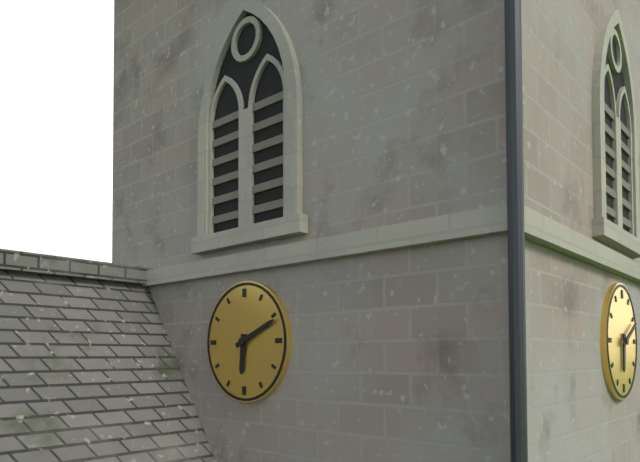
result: h=6 m=11
